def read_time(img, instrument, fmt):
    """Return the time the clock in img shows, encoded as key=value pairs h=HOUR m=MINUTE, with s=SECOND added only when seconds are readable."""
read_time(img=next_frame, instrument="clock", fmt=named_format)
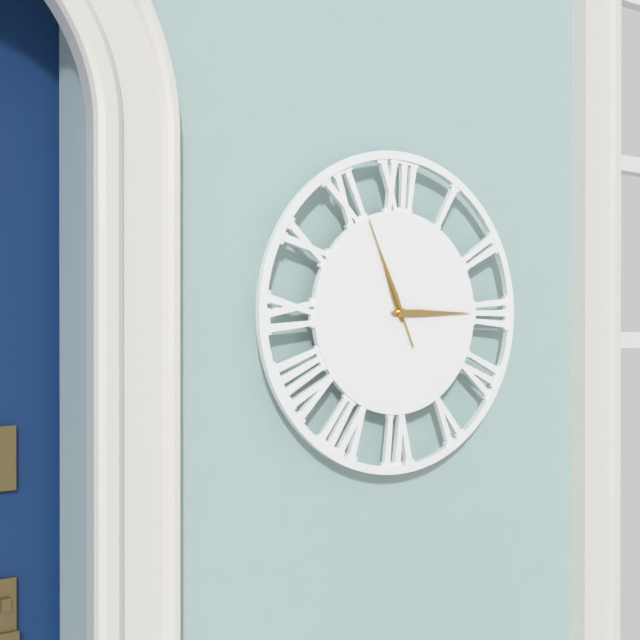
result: h=11 m=15 s=56
